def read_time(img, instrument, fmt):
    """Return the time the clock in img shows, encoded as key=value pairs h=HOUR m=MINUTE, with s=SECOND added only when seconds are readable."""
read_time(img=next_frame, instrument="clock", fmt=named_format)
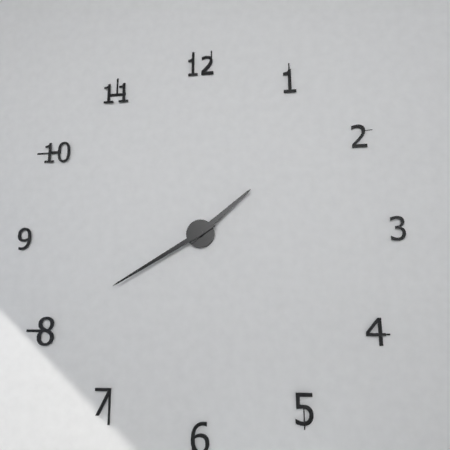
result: h=1 m=40
